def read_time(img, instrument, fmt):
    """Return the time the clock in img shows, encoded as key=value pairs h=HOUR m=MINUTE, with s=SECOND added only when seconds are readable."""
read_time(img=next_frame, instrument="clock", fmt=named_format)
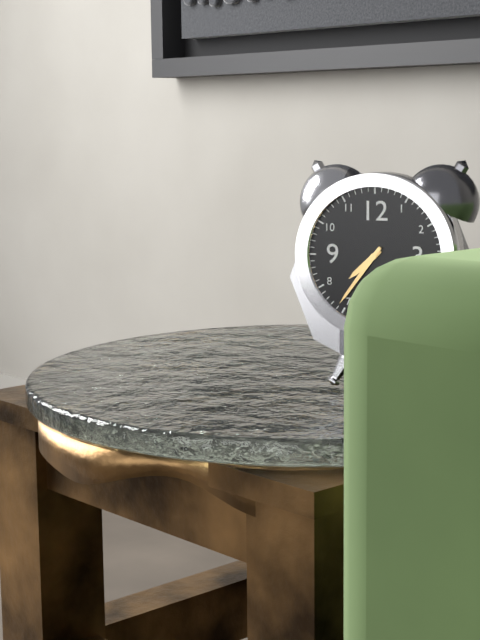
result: h=7 m=36
